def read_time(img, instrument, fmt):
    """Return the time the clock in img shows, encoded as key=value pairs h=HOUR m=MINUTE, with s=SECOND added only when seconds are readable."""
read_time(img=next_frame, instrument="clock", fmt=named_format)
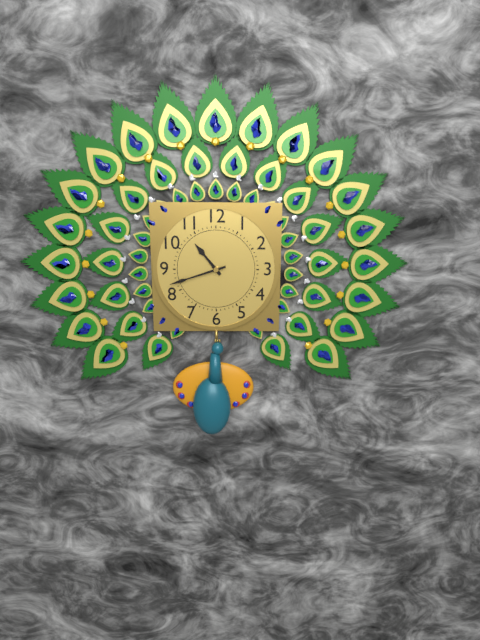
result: h=10 m=42
